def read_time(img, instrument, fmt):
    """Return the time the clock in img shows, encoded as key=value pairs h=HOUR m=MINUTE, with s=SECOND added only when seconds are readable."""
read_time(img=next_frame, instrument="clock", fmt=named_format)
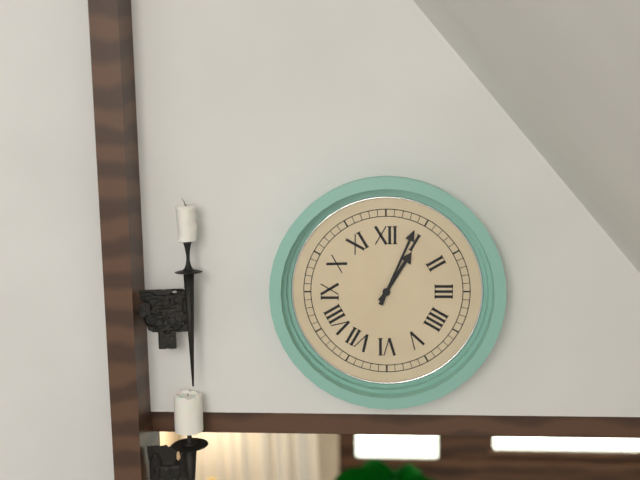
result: h=1 m=4
